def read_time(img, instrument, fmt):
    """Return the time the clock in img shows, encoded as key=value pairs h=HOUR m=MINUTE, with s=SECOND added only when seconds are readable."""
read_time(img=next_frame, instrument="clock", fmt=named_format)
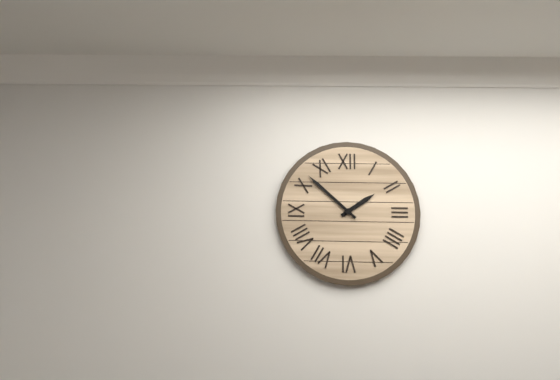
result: h=1 m=52
